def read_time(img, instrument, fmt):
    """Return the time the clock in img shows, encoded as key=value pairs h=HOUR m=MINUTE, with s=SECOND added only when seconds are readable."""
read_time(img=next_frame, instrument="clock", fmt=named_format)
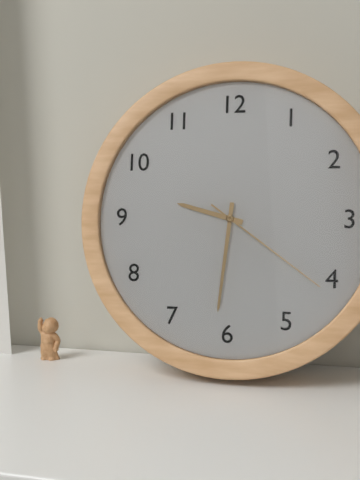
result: h=9 m=31 s=21
